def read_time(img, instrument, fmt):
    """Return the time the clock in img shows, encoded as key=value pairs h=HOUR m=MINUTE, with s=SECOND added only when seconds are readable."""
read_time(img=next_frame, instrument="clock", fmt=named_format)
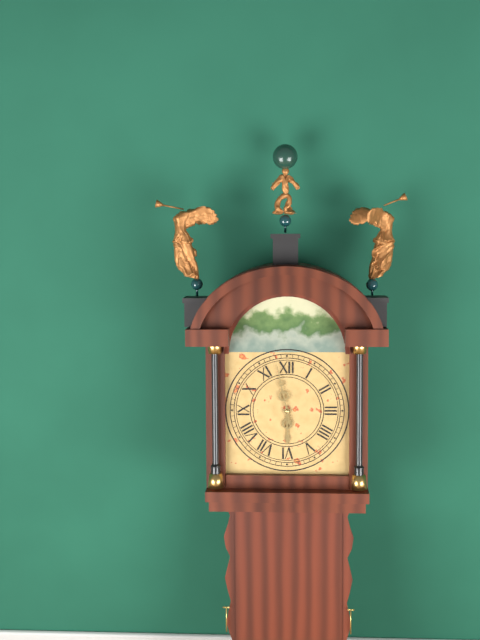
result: h=5 m=58
